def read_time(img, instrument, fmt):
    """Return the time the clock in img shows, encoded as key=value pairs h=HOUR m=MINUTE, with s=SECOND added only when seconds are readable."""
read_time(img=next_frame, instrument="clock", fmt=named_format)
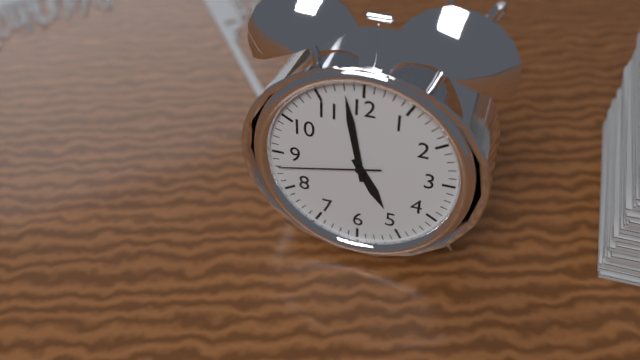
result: h=4 m=58 s=43
